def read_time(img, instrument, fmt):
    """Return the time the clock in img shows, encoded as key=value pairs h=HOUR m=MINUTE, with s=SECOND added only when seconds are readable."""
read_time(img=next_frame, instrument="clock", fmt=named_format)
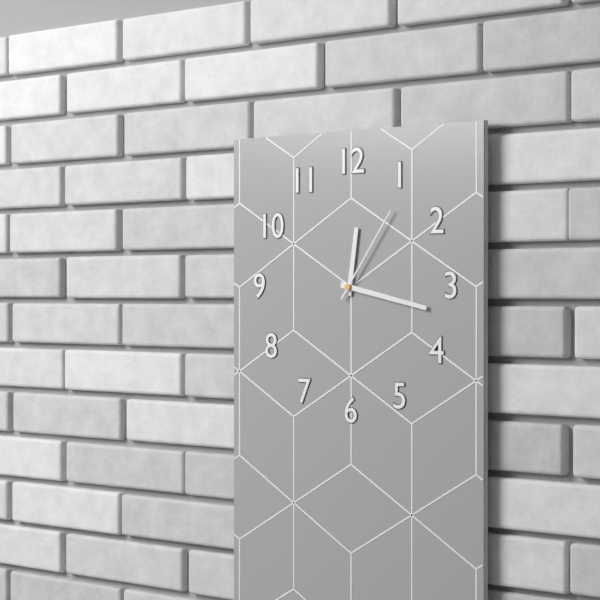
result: h=12 m=17 s=6
